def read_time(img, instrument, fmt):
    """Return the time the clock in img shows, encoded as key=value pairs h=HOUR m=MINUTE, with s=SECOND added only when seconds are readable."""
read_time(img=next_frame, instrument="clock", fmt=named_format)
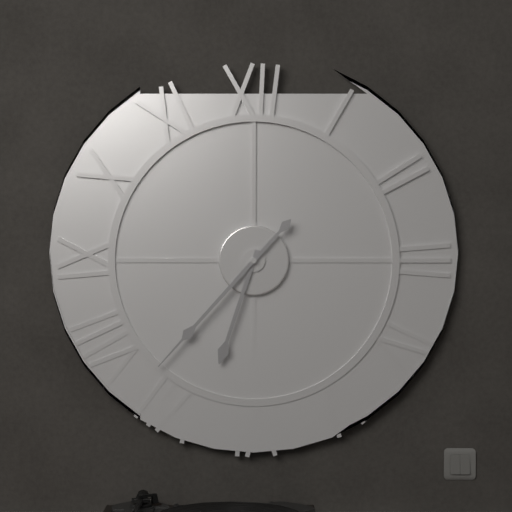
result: h=6 m=37
